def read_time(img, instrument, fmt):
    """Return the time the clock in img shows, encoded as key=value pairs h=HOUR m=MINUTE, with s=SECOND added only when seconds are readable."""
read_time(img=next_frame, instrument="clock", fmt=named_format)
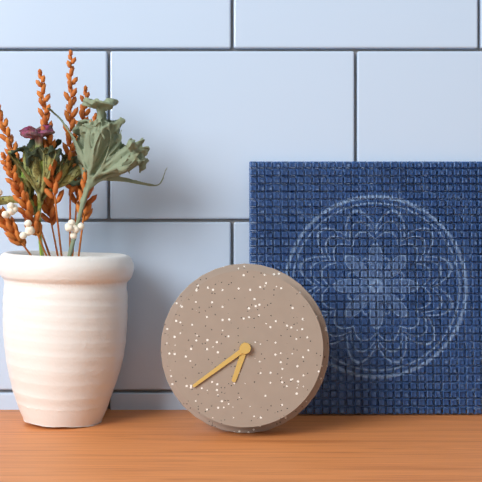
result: h=6 m=39
